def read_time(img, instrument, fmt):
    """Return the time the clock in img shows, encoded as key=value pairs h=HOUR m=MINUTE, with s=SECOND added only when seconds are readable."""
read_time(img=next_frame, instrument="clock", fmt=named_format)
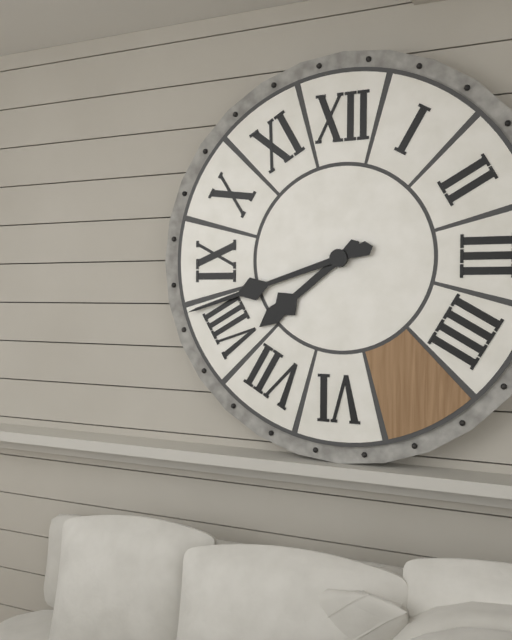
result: h=7 m=42
